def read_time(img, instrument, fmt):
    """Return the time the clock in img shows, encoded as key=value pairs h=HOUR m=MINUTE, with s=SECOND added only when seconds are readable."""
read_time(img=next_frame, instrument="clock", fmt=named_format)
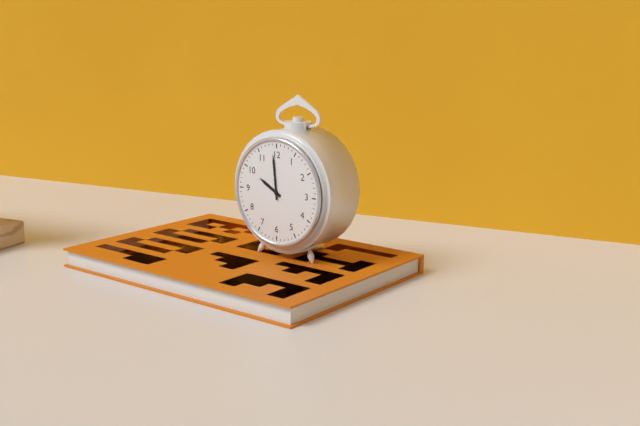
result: h=9 m=59
